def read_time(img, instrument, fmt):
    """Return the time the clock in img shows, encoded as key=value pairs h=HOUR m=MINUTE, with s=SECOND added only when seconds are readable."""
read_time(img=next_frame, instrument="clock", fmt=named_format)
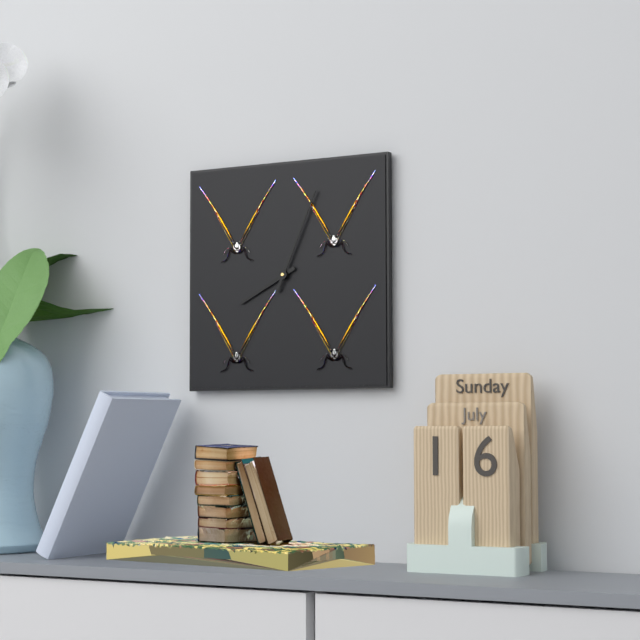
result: h=8 m=4
